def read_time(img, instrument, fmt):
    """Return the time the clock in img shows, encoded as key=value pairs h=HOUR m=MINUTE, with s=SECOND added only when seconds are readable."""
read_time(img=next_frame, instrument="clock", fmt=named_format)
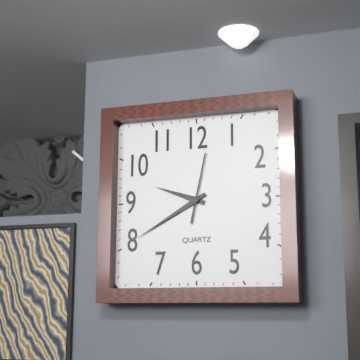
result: h=9 m=40 s=2
